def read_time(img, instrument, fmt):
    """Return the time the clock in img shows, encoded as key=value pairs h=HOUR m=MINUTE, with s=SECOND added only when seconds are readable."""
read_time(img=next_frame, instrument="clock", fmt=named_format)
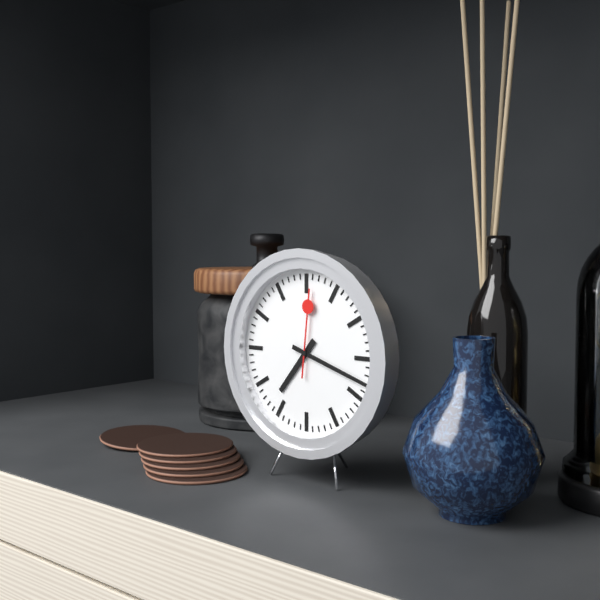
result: h=7 m=18 s=1
